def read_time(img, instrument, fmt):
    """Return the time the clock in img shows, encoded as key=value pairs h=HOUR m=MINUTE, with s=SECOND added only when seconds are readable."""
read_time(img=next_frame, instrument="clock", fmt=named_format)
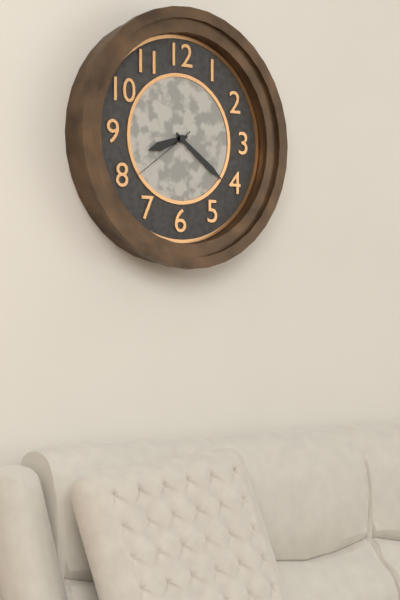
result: h=8 m=21 s=39
